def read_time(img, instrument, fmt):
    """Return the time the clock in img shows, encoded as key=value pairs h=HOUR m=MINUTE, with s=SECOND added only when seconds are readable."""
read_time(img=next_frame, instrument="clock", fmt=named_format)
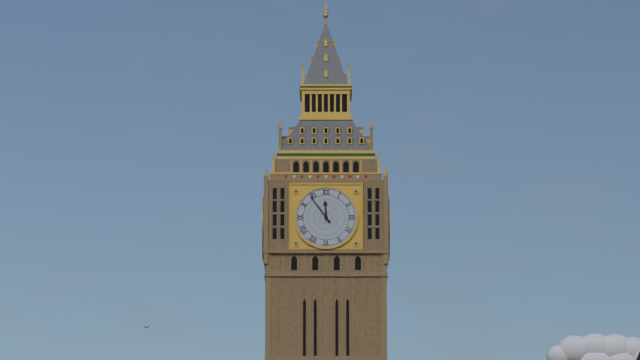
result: h=11 m=54
